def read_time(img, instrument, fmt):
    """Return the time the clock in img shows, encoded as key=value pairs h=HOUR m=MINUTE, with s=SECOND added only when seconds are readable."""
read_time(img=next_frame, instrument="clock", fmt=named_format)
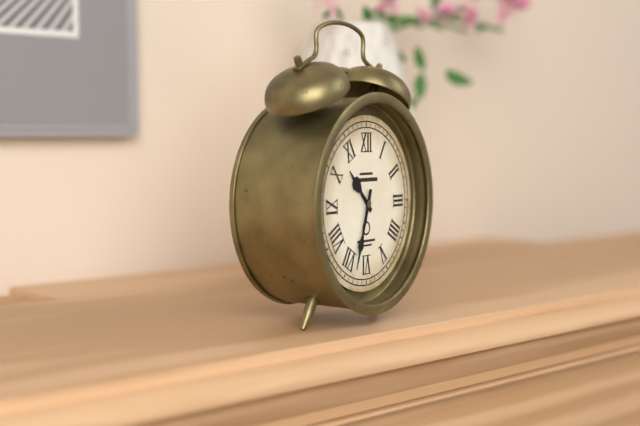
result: h=10 m=33
